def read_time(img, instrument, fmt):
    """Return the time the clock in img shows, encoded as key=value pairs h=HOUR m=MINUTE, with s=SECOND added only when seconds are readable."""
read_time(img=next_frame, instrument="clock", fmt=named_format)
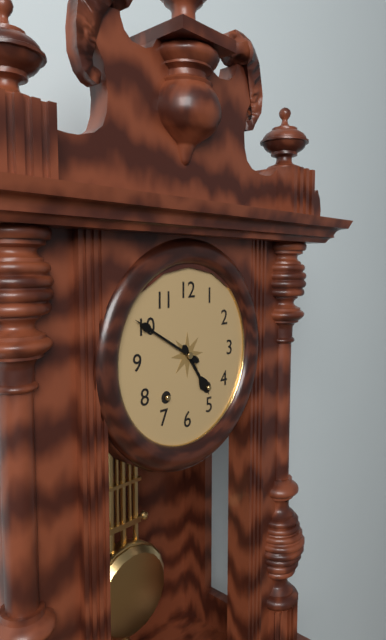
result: h=4 m=50
